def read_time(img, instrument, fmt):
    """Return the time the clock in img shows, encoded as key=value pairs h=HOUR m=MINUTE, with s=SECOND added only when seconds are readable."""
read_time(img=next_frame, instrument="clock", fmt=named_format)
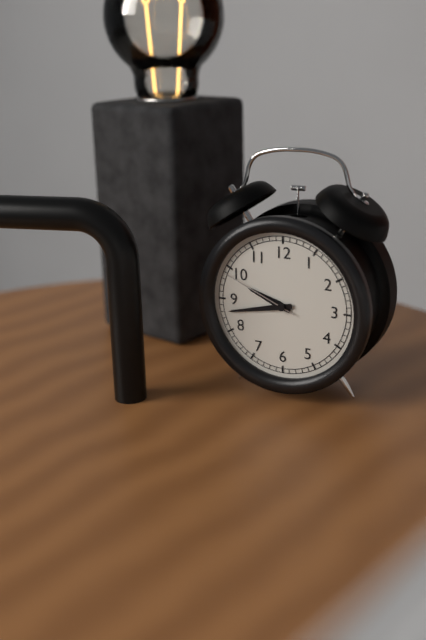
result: h=9 m=43 s=49
